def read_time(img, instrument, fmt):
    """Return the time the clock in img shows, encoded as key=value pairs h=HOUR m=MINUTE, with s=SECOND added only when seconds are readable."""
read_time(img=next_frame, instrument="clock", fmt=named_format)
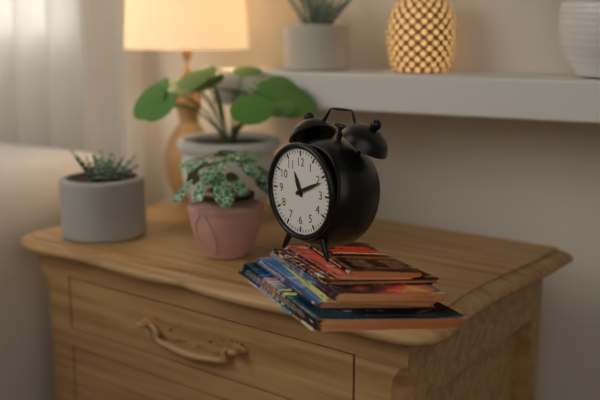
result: h=11 m=11
